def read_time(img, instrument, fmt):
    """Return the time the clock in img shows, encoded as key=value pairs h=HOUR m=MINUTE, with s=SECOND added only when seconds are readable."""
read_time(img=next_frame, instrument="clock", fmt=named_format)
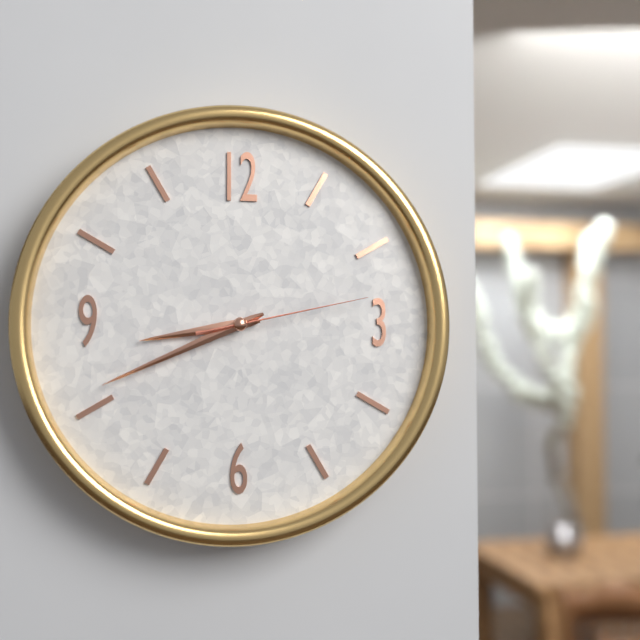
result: h=8 m=41 s=13
